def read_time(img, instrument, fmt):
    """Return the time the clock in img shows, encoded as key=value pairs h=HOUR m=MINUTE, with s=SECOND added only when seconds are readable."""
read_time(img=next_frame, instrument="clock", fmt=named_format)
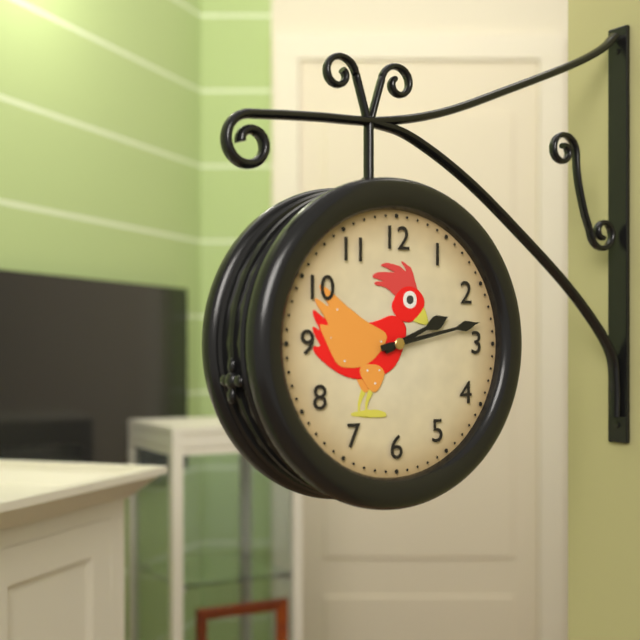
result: h=2 m=13
